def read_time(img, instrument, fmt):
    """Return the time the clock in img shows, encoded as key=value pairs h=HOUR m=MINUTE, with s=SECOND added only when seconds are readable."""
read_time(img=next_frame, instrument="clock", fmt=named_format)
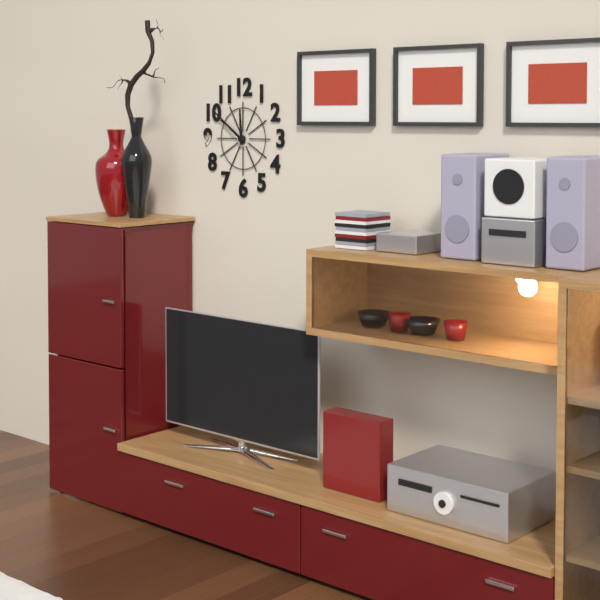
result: h=11 m=51
